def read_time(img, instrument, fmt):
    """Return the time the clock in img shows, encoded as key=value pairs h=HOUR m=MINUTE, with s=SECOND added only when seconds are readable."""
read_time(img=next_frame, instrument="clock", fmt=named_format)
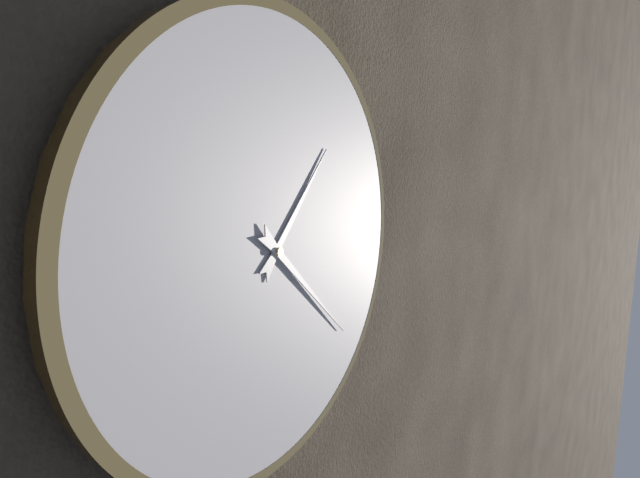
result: h=1 m=22
